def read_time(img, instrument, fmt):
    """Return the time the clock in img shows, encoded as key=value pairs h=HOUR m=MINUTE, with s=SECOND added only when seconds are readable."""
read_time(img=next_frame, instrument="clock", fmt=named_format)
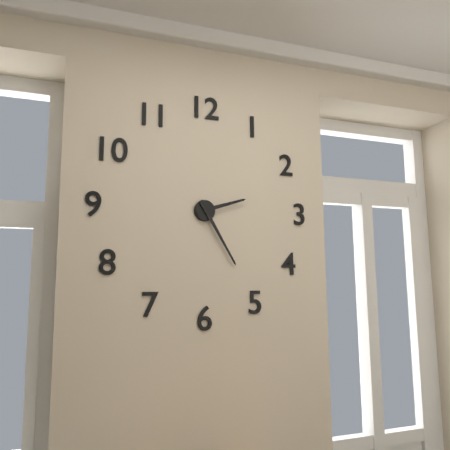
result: h=2 m=25
